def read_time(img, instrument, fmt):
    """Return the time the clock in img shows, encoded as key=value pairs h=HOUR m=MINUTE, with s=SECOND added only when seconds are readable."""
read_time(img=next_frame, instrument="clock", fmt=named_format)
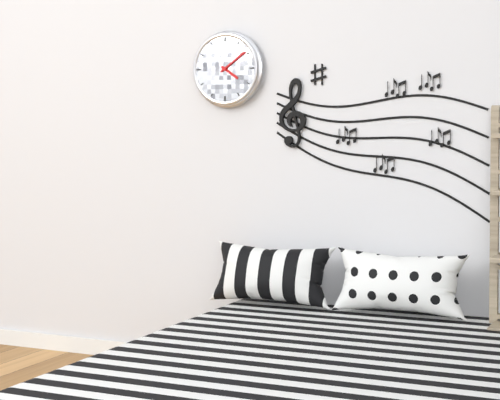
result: h=4 m=9
